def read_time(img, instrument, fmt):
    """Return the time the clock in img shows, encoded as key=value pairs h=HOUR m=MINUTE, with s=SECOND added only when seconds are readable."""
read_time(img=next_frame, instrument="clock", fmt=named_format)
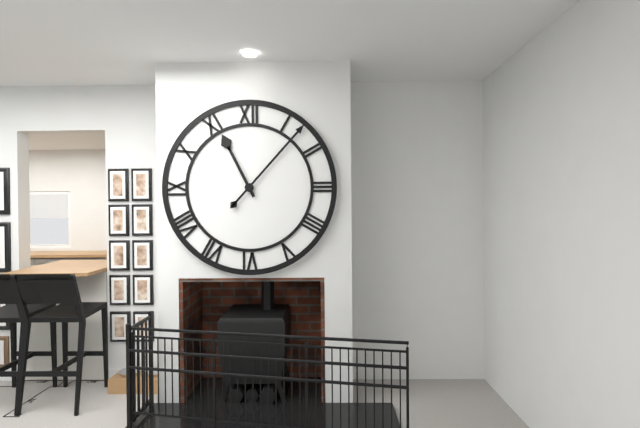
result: h=11 m=7
